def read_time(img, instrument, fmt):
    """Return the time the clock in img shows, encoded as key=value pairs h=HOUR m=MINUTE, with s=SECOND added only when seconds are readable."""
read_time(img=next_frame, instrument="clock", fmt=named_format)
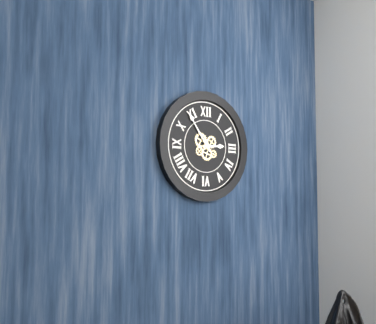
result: h=2 m=54
